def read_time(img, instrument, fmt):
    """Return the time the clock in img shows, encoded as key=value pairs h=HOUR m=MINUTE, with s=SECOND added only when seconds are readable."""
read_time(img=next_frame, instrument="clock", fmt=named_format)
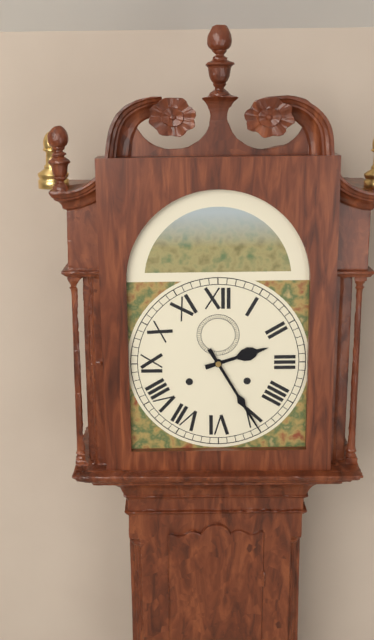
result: h=2 m=25
